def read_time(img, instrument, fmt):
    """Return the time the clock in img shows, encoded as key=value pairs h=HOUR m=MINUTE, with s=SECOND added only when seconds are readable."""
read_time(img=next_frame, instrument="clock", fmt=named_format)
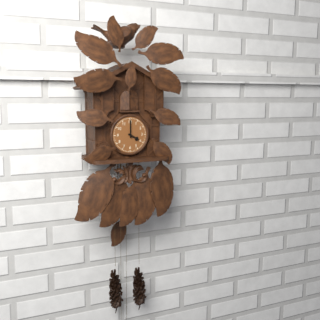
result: h=4 m=0
